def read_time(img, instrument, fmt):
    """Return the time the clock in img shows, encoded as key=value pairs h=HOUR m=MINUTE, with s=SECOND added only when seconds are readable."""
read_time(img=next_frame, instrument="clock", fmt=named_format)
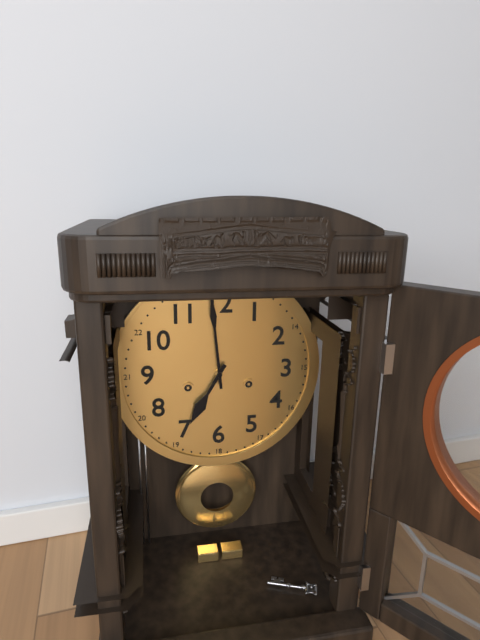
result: h=6 m=59
